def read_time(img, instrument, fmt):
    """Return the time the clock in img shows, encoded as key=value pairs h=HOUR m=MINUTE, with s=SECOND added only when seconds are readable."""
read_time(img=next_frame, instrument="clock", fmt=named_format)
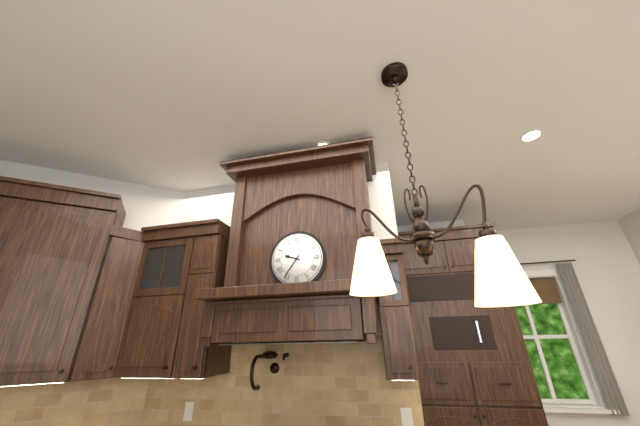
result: h=9 m=36
